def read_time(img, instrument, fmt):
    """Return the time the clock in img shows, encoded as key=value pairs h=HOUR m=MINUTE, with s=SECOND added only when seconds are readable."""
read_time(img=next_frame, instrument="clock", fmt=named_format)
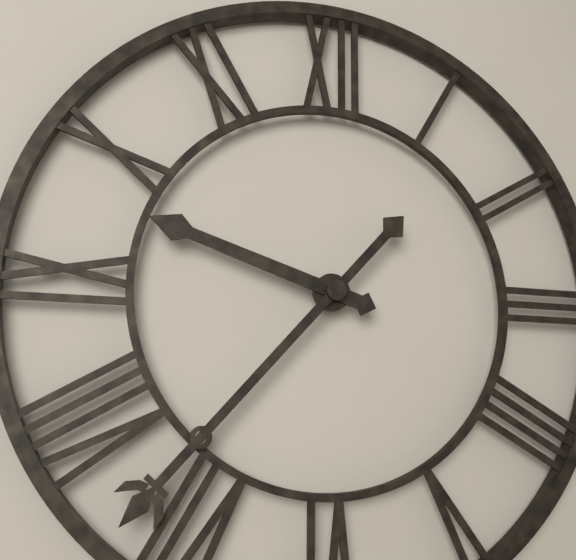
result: h=9 m=37
